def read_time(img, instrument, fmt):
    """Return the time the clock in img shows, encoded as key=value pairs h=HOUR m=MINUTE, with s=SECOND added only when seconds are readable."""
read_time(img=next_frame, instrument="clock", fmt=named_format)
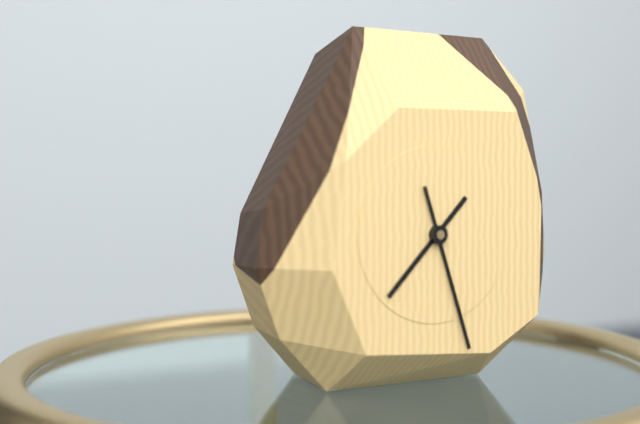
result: h=7 m=27
